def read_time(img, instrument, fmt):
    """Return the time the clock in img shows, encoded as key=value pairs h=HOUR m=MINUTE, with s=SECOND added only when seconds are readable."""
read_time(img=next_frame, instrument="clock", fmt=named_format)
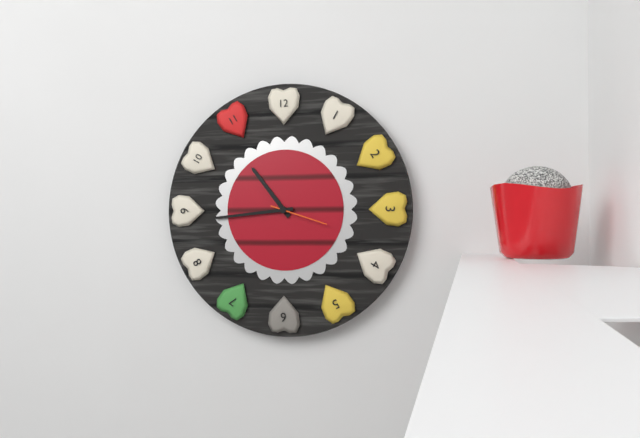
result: h=10 m=44 s=18
